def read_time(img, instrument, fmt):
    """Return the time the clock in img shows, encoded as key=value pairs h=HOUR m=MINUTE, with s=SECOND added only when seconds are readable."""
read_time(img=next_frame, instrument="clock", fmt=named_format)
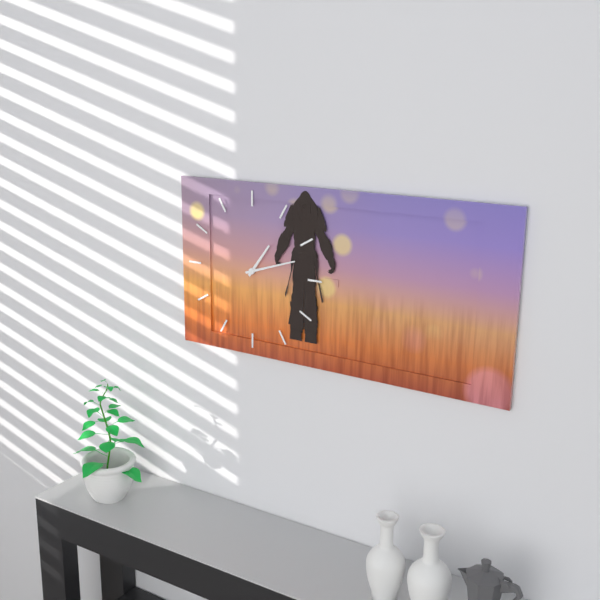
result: h=1 m=12
